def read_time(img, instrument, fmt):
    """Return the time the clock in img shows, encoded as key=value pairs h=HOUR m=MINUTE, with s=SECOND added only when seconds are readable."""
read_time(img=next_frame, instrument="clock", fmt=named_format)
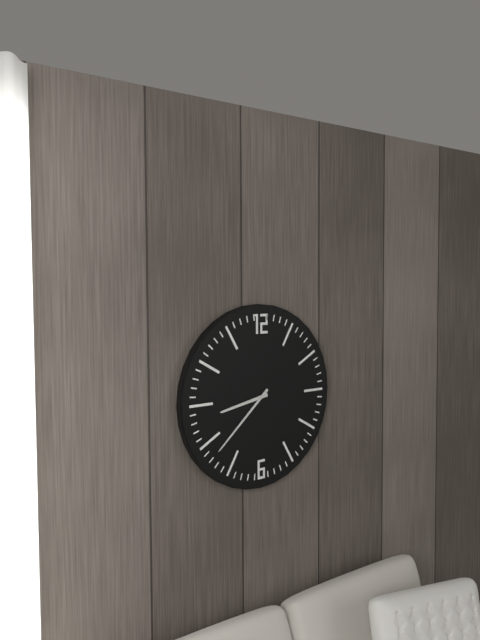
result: h=8 m=38
